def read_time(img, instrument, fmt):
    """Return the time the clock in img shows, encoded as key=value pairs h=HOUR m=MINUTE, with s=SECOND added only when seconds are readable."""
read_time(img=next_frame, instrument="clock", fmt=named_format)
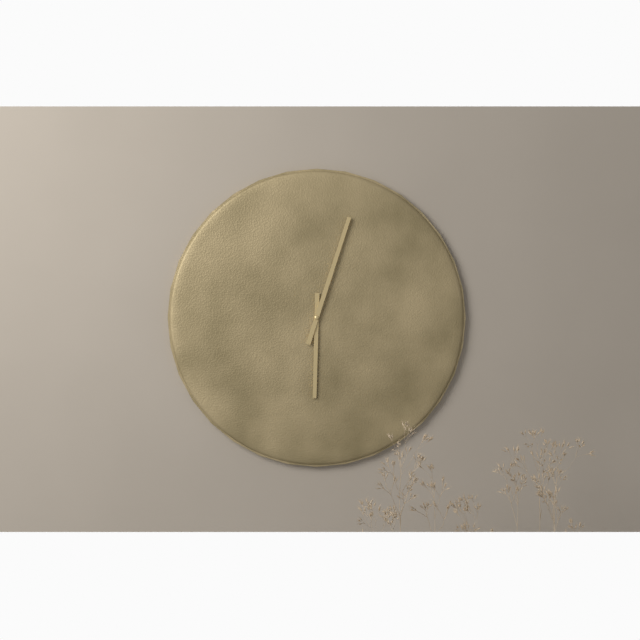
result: h=6 m=3
